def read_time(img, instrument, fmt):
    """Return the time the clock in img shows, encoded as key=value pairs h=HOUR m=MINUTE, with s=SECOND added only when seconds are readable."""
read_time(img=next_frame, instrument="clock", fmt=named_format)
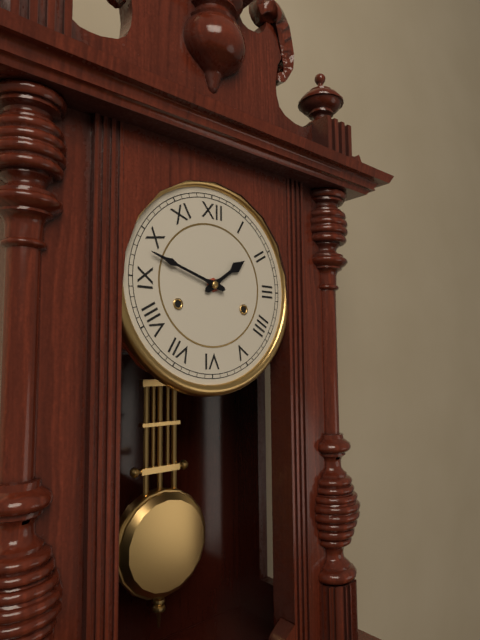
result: h=1 m=48
